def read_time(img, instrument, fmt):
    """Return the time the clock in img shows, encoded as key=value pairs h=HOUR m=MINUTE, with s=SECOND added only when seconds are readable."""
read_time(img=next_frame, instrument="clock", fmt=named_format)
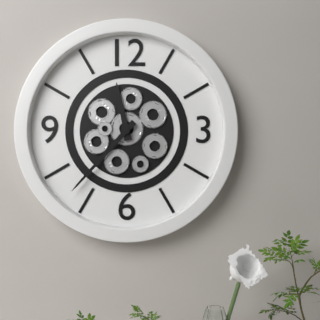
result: h=11 m=37
